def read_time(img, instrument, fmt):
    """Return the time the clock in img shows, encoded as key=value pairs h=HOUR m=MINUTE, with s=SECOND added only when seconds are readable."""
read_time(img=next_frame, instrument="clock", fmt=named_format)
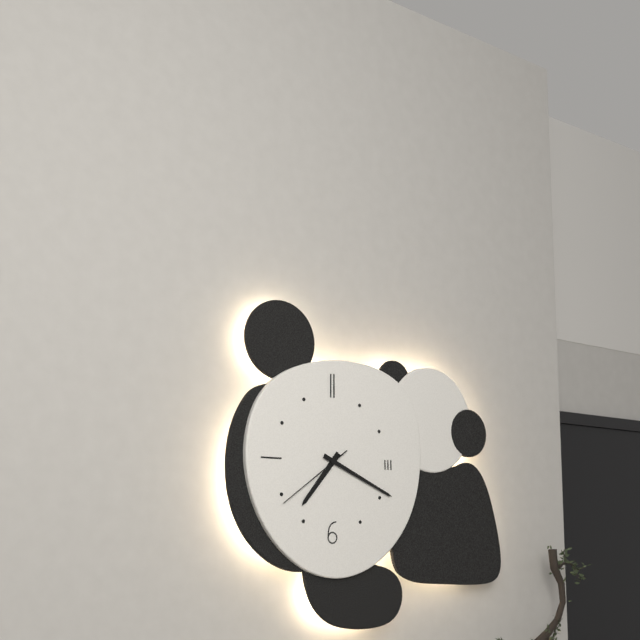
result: h=7 m=19 s=39
